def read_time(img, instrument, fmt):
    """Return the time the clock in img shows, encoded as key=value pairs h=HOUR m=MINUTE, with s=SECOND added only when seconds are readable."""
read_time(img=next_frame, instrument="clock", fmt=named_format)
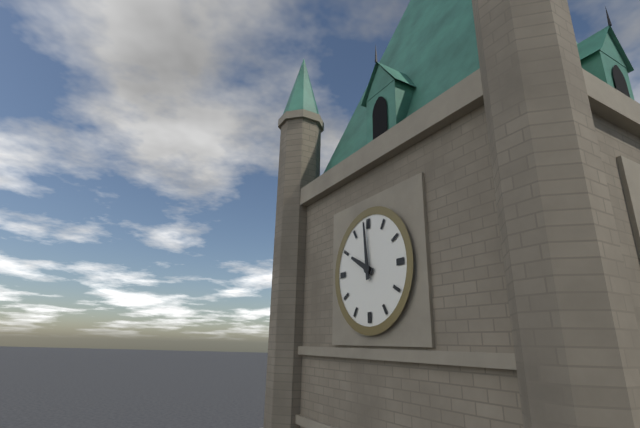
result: h=9 m=59
